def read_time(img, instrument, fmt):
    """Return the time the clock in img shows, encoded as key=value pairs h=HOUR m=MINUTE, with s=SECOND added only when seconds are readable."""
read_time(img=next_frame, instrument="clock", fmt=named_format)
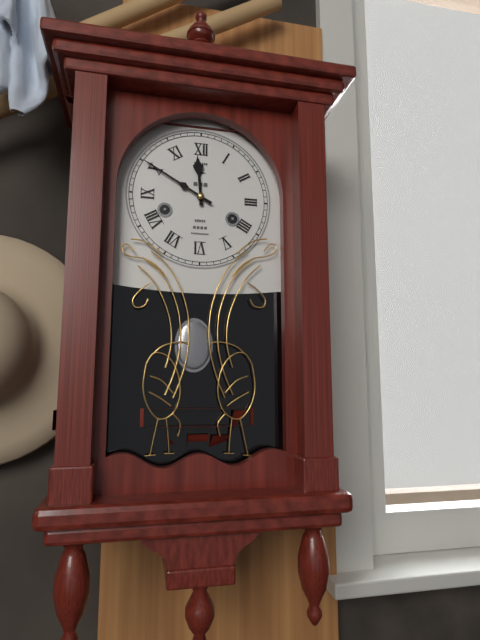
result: h=11 m=50
